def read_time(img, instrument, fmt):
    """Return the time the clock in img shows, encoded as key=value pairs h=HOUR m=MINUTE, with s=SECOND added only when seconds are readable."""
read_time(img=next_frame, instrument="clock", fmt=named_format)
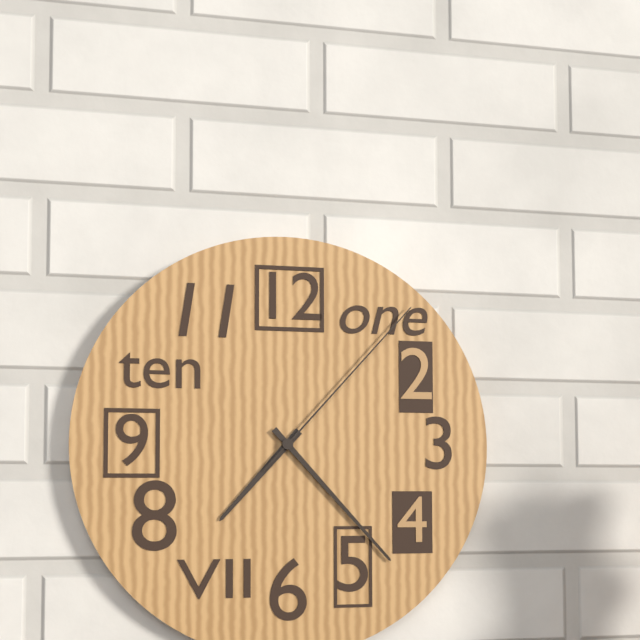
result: h=7 m=23 s=7
